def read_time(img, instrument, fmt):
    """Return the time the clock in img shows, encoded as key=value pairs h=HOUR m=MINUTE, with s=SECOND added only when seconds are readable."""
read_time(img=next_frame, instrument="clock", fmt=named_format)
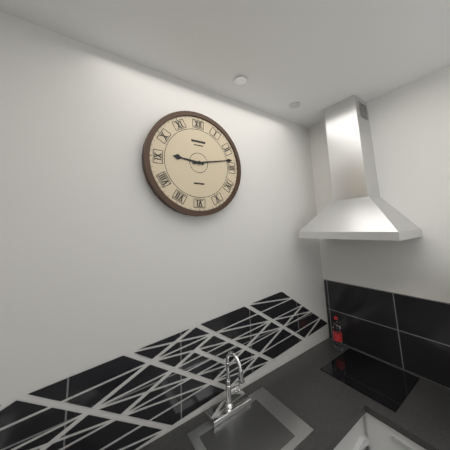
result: h=9 m=13
